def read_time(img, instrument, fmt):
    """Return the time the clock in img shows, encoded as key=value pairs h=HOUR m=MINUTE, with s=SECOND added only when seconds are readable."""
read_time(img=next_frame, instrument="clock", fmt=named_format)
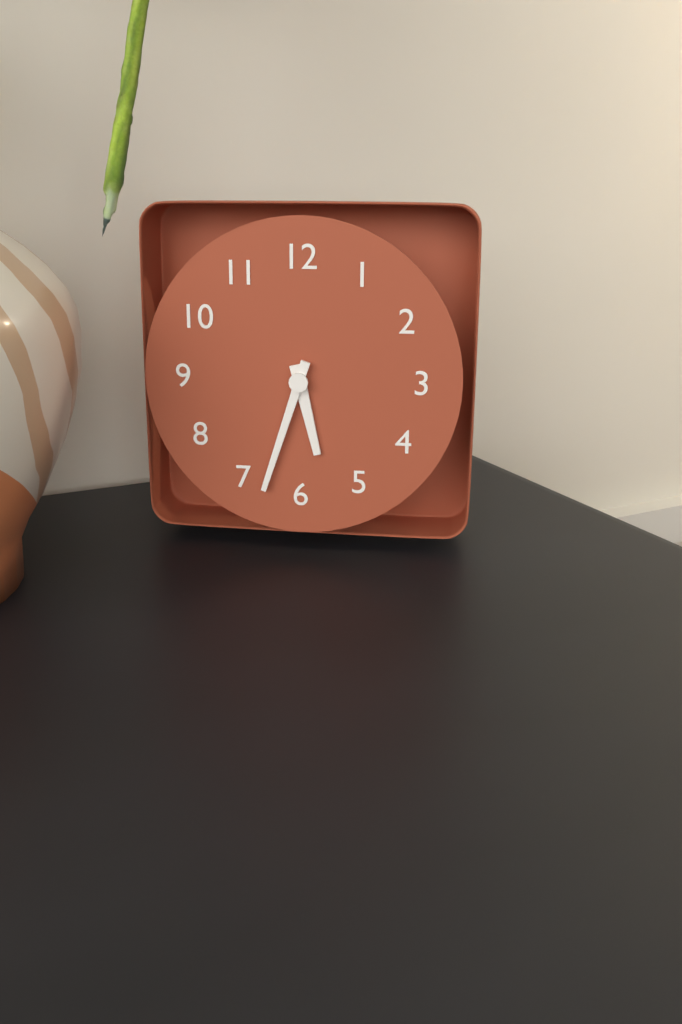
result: h=5 m=33
